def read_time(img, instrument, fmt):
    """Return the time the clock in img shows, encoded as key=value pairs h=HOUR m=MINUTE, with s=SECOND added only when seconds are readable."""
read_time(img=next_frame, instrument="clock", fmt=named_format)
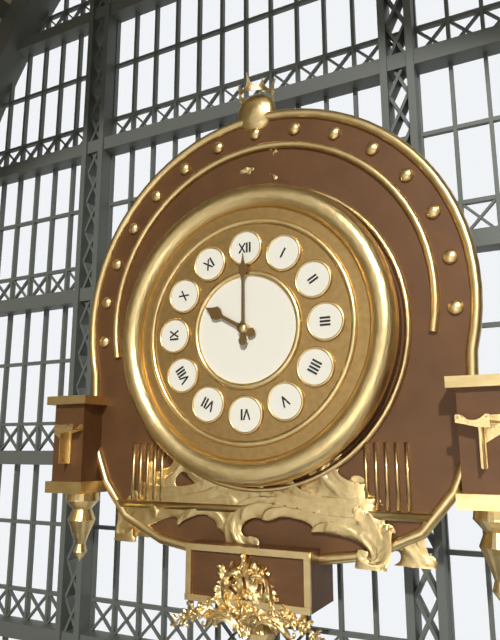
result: h=10 m=0
